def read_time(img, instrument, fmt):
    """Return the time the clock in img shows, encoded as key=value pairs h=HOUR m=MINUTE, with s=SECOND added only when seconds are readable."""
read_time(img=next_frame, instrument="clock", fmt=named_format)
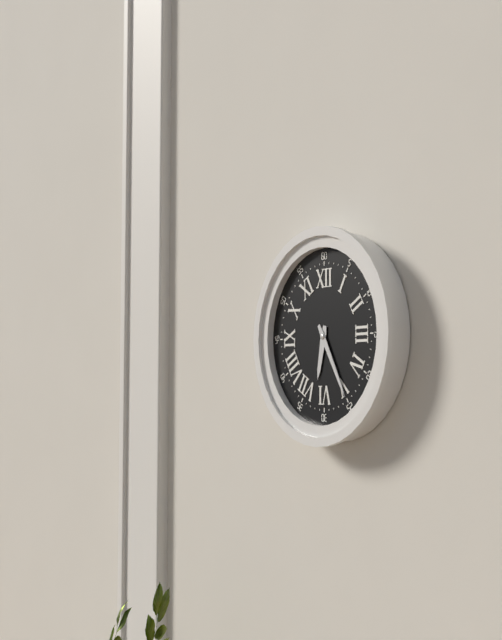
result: h=6 m=25
